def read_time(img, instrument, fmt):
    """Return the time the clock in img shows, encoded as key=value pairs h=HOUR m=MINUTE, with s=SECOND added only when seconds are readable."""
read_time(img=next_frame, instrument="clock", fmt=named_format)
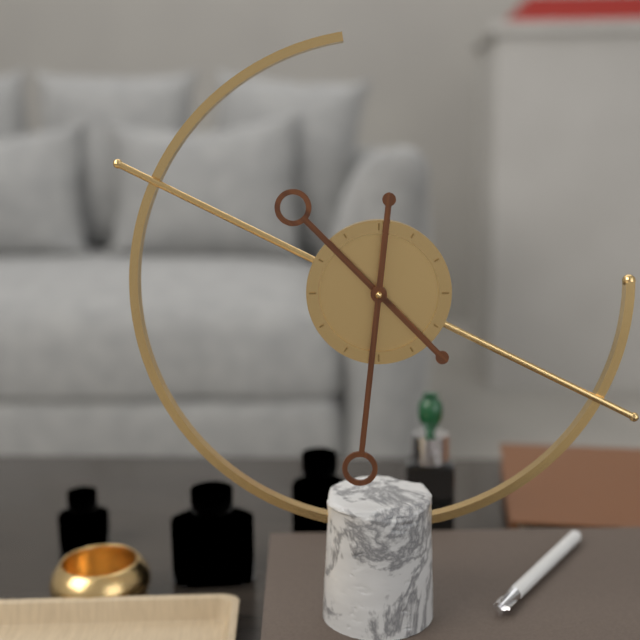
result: h=10 m=31
